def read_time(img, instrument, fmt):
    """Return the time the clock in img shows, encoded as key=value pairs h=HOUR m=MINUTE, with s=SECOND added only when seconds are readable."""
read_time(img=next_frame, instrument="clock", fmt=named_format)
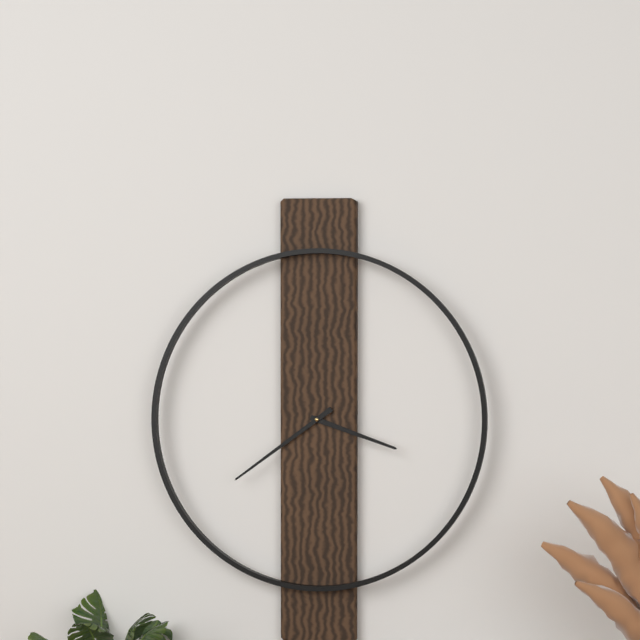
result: h=3 m=39
